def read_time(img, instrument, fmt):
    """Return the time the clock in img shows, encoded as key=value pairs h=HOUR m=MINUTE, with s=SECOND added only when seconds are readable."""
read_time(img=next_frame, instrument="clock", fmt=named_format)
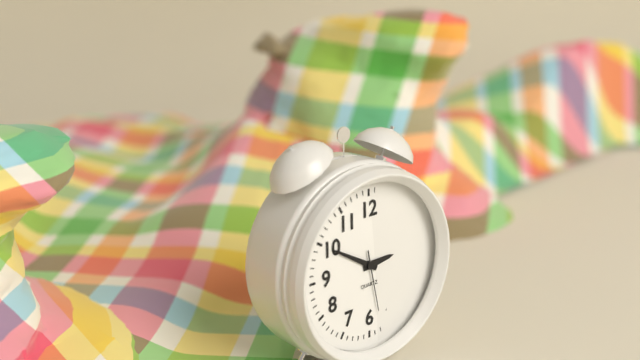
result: h=2 m=50 s=28
